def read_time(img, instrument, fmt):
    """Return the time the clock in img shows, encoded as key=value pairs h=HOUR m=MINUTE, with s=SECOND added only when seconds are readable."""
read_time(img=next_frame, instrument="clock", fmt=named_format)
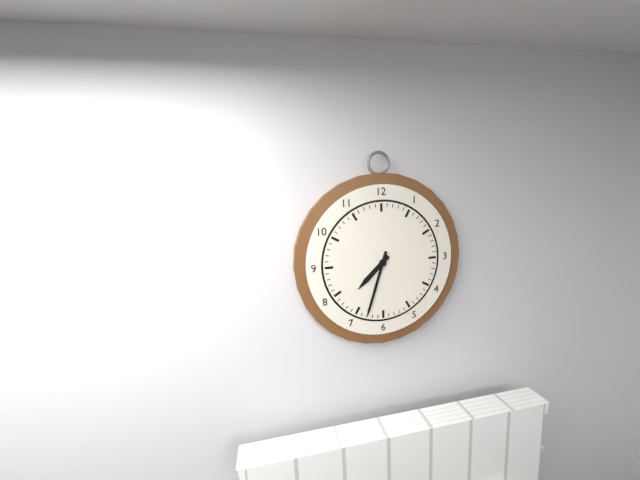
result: h=7 m=33
